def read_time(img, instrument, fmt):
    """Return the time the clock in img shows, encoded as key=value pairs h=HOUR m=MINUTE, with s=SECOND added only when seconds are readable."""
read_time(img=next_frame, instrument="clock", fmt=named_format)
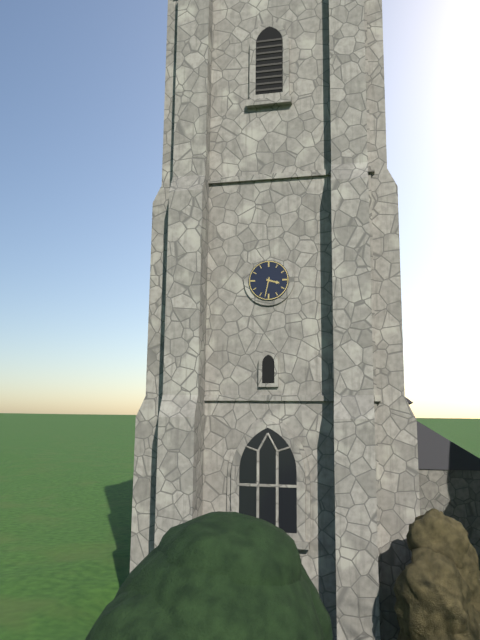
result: h=3 m=32
